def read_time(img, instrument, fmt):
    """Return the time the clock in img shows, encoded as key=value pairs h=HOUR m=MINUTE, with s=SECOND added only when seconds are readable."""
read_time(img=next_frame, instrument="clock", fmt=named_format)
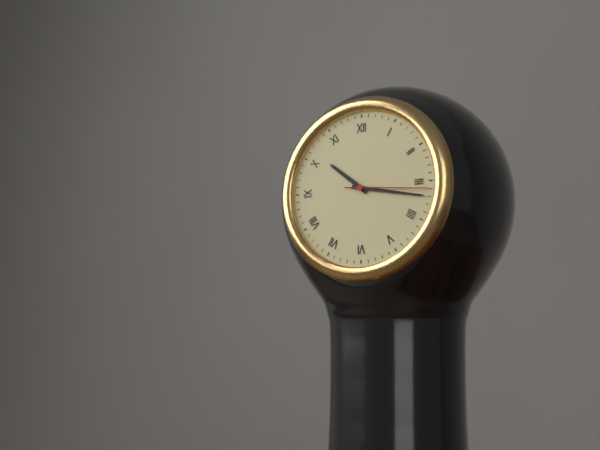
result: h=10 m=17 s=16
